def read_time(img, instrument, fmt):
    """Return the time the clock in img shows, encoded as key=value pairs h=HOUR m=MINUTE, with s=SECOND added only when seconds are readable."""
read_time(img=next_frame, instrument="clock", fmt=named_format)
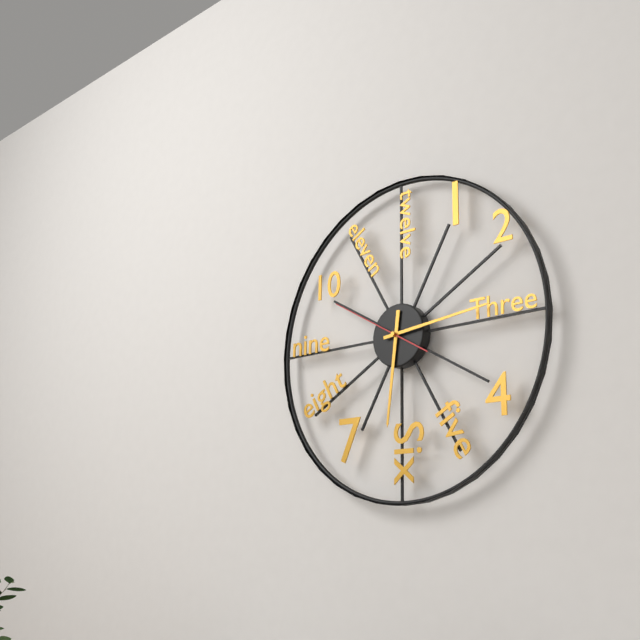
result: h=6 m=14 s=50
